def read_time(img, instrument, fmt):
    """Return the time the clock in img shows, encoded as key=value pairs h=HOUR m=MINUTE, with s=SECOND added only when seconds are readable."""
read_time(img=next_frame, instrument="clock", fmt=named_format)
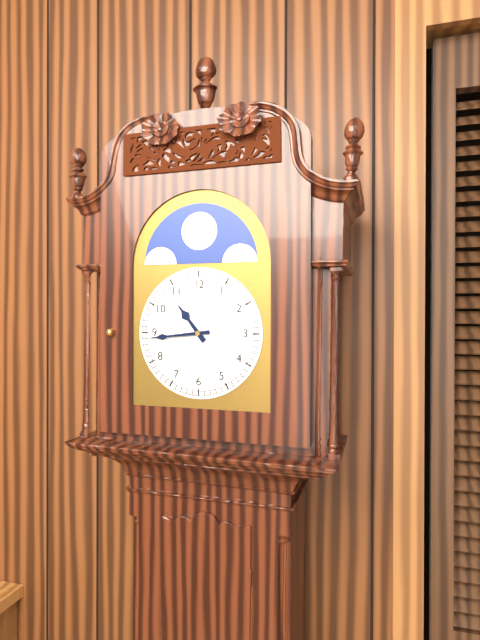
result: h=10 m=44
